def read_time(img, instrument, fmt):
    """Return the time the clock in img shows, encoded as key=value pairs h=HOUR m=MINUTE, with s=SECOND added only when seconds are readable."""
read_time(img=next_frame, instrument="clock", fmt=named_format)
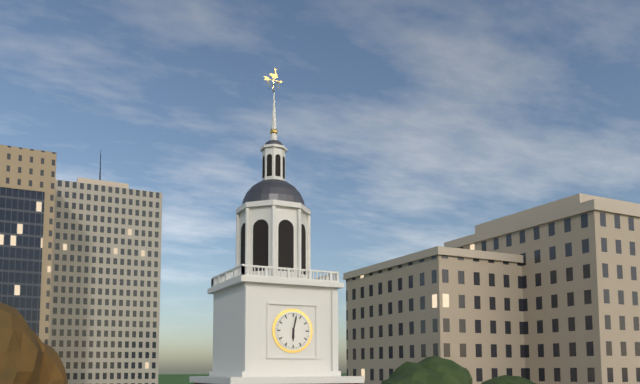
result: h=6 m=2
